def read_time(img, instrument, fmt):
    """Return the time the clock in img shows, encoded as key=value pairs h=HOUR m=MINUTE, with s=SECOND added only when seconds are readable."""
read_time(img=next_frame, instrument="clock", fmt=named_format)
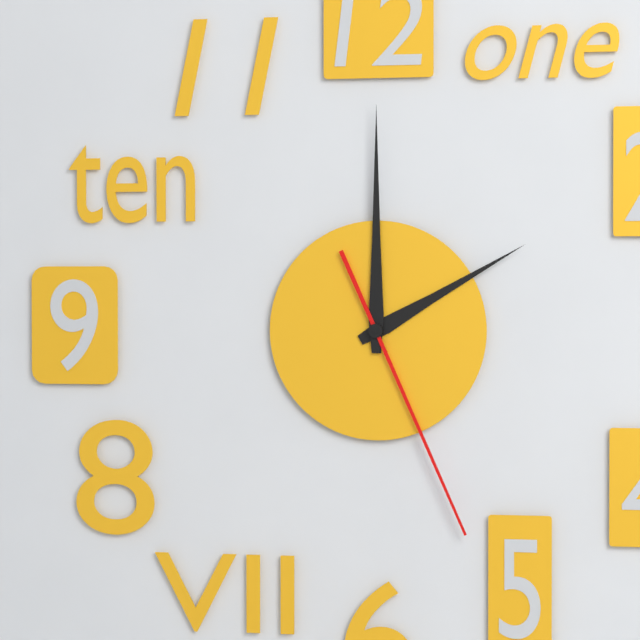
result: h=2 m=0 s=26
